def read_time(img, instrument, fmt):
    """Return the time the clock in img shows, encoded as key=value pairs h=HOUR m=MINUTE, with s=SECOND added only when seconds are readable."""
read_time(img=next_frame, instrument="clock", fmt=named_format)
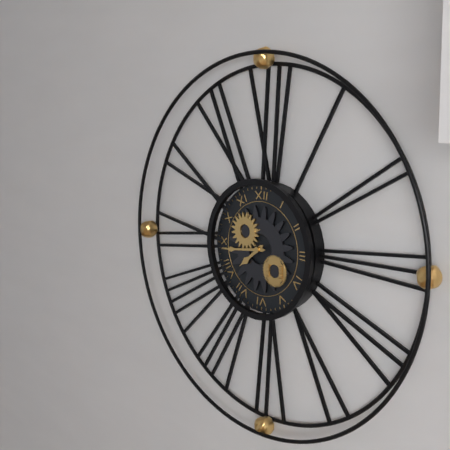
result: h=7 m=44
